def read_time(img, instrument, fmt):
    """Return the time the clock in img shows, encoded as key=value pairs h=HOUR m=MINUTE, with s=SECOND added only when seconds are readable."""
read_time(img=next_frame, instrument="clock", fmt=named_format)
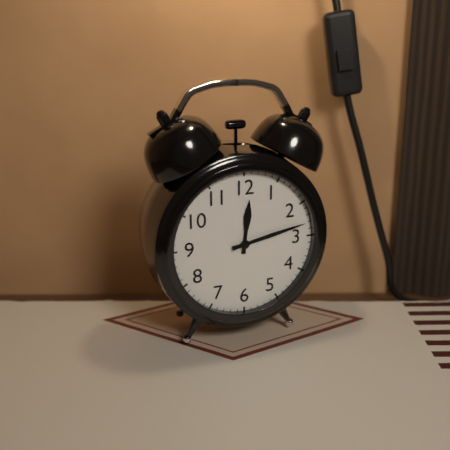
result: h=12 m=13
